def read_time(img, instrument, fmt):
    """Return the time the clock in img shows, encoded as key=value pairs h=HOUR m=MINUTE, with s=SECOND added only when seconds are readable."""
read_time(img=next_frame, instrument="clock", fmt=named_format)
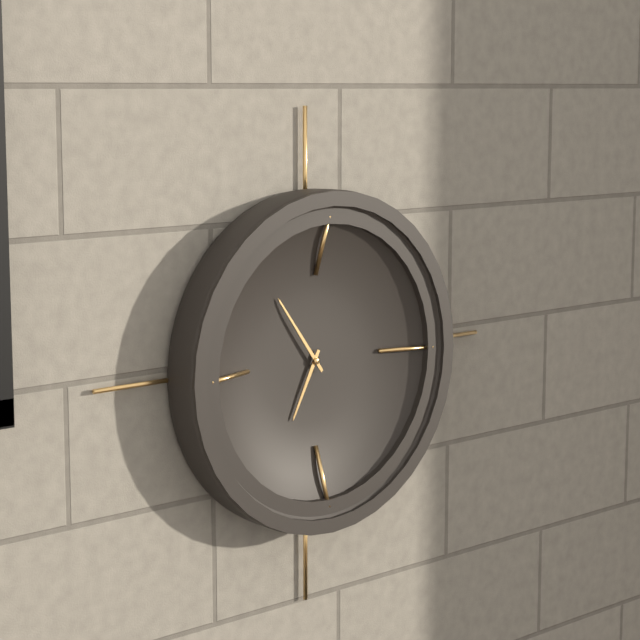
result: h=6 m=54
